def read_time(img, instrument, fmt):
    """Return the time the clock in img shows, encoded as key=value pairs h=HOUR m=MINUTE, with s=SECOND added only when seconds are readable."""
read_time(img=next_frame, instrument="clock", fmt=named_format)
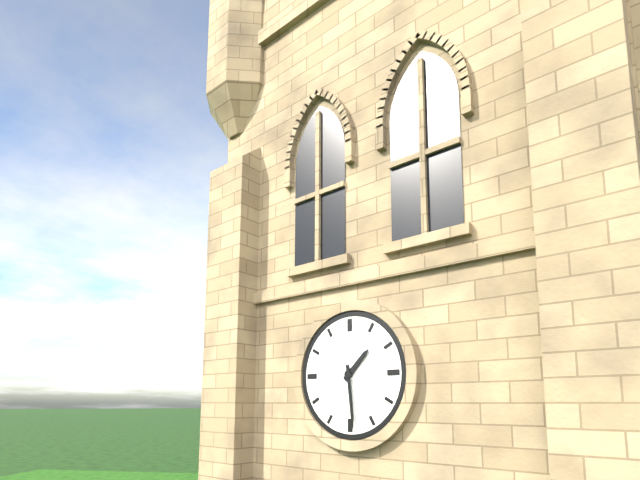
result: h=1 m=29
